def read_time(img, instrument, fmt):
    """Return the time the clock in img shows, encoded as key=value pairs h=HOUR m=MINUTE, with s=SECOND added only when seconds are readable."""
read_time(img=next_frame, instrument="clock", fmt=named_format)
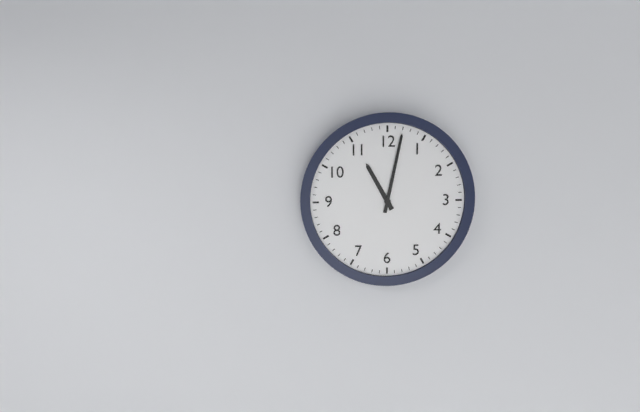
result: h=11 m=2
